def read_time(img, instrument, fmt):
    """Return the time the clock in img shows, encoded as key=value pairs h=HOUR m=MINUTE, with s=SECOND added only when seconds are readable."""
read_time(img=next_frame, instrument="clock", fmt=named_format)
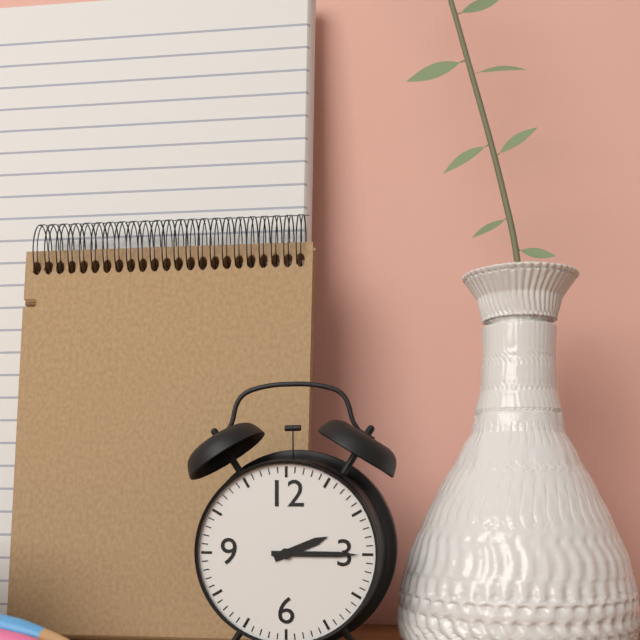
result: h=2 m=15
